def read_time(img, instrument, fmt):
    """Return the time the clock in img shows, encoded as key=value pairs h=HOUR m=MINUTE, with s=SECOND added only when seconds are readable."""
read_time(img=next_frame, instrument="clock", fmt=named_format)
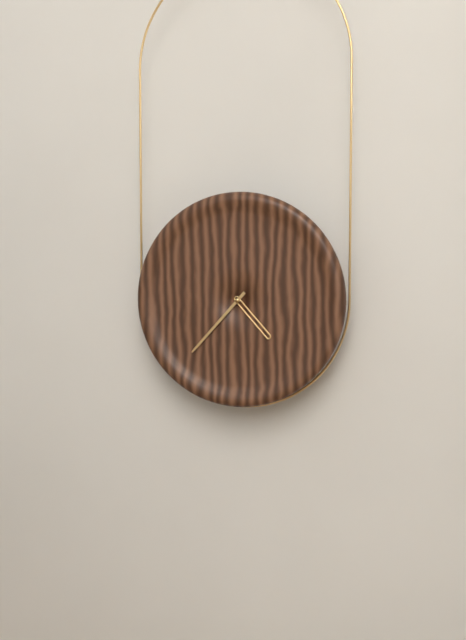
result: h=4 m=37
